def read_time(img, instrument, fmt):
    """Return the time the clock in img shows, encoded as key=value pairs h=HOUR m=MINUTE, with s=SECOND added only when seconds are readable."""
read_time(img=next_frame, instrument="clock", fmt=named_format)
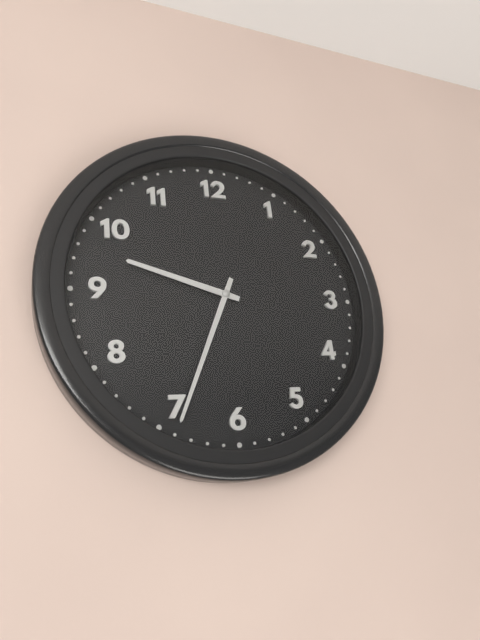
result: h=9 m=34
